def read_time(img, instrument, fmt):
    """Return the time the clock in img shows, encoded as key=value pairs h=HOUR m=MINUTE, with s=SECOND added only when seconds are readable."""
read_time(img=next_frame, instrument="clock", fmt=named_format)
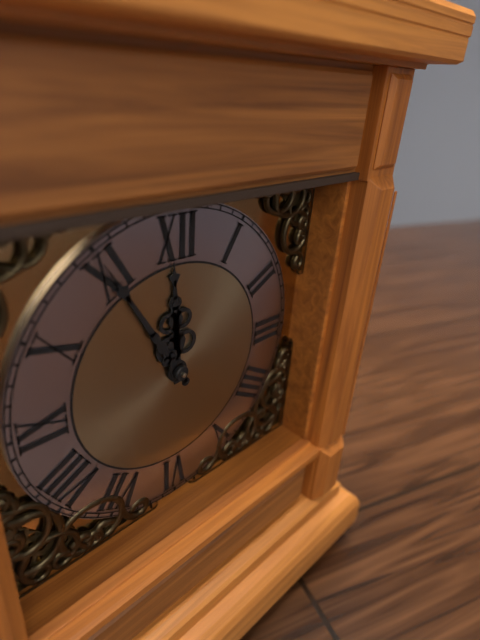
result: h=11 m=55
